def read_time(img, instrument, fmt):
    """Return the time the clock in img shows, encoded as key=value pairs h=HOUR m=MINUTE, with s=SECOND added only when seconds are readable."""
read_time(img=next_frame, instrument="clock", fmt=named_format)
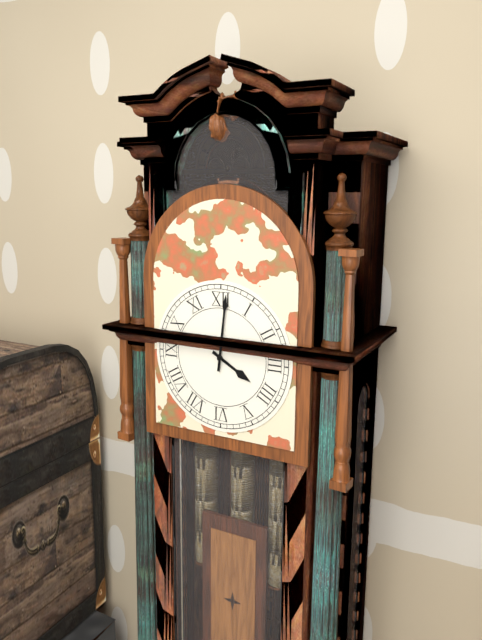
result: h=4 m=1
